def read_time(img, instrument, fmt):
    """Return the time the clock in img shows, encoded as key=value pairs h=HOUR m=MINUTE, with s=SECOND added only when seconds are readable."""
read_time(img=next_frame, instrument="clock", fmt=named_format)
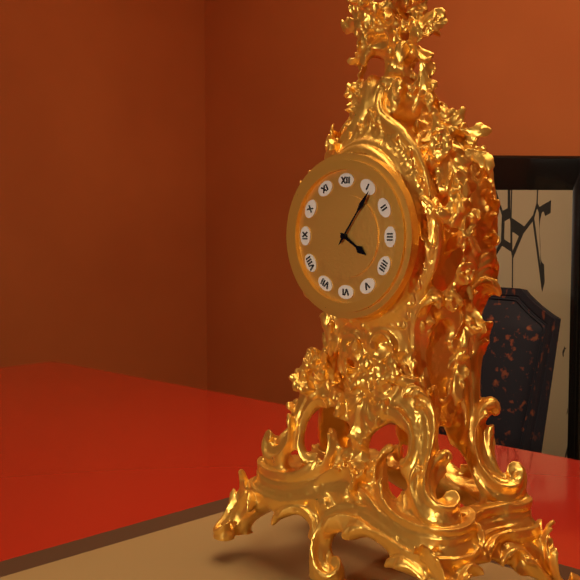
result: h=4 m=6
